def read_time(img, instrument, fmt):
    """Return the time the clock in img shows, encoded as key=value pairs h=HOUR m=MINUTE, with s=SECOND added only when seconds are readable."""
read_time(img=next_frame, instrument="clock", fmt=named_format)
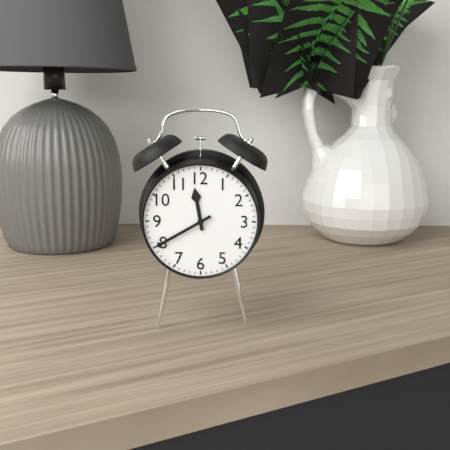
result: h=11 m=40
